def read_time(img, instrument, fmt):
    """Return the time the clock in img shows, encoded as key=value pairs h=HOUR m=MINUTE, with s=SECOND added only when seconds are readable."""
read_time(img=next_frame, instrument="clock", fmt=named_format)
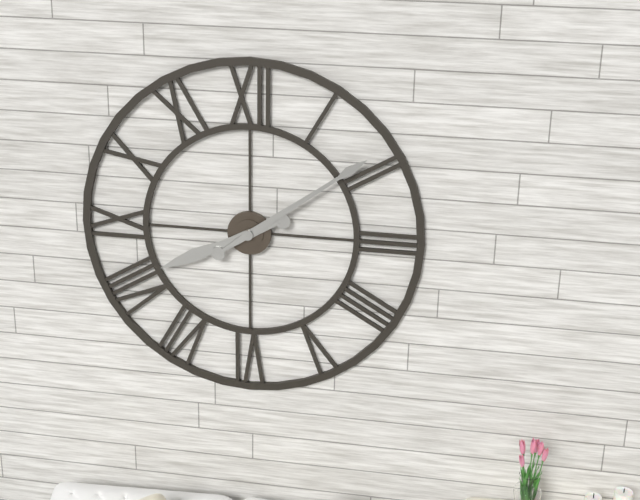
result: h=8 m=9
